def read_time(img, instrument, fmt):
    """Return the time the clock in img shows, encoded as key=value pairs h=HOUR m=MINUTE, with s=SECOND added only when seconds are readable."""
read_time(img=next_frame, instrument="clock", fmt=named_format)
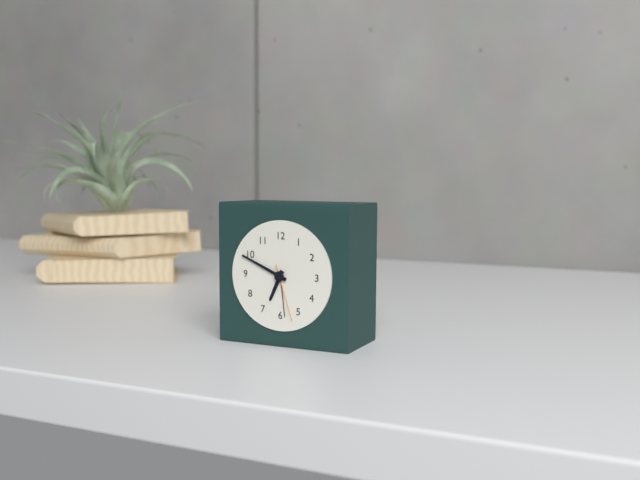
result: h=6 m=49 s=27
